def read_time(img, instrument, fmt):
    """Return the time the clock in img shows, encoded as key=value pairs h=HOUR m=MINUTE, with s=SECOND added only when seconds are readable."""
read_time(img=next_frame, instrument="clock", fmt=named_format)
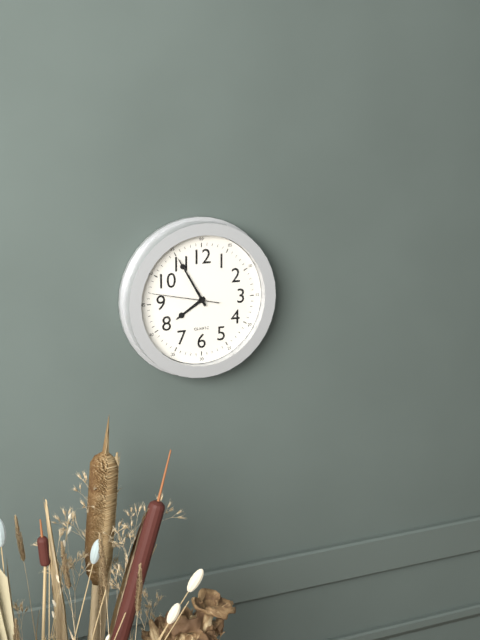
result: h=7 m=55 s=47
